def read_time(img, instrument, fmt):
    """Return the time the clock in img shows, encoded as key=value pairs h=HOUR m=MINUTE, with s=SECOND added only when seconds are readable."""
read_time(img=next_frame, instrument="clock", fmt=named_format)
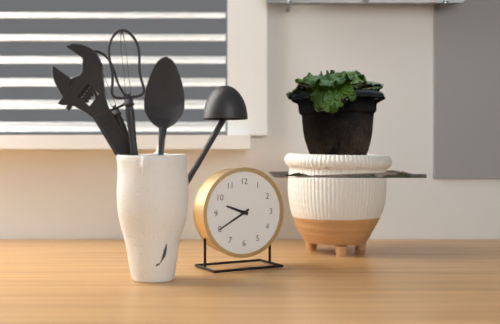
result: h=9 m=40
